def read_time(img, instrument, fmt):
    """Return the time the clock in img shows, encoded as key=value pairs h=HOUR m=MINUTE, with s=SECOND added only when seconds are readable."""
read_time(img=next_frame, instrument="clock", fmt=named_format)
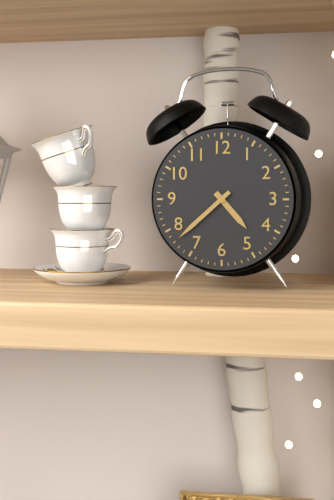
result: h=4 m=38
